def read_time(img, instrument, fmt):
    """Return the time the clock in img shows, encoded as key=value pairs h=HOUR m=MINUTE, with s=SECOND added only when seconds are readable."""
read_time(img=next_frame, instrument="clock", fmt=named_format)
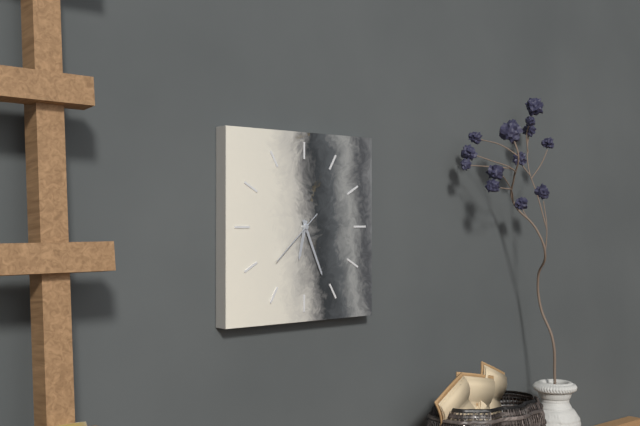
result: h=6 m=26 s=38
